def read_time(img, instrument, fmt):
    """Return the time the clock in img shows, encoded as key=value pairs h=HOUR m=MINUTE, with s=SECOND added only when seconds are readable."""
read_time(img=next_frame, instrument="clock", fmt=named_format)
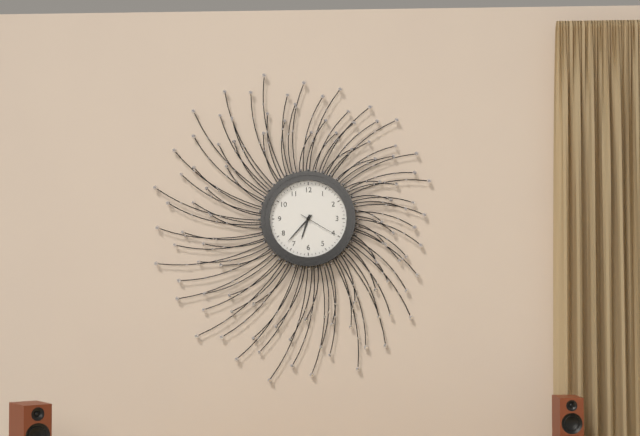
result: h=6 m=37
